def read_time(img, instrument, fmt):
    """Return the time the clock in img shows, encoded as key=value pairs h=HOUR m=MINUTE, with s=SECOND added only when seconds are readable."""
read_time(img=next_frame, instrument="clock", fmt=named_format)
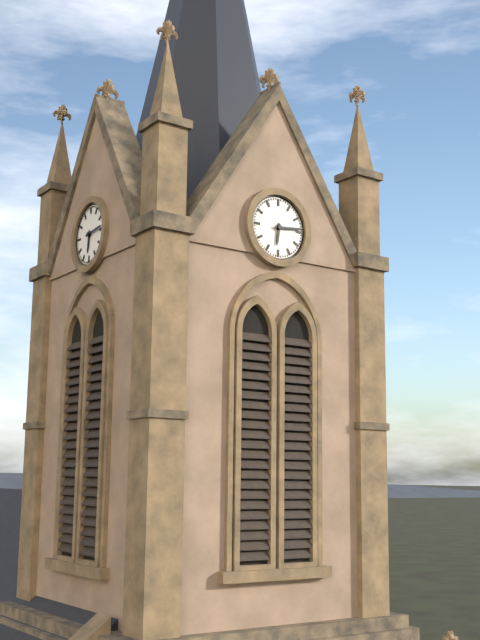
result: h=6 m=14
